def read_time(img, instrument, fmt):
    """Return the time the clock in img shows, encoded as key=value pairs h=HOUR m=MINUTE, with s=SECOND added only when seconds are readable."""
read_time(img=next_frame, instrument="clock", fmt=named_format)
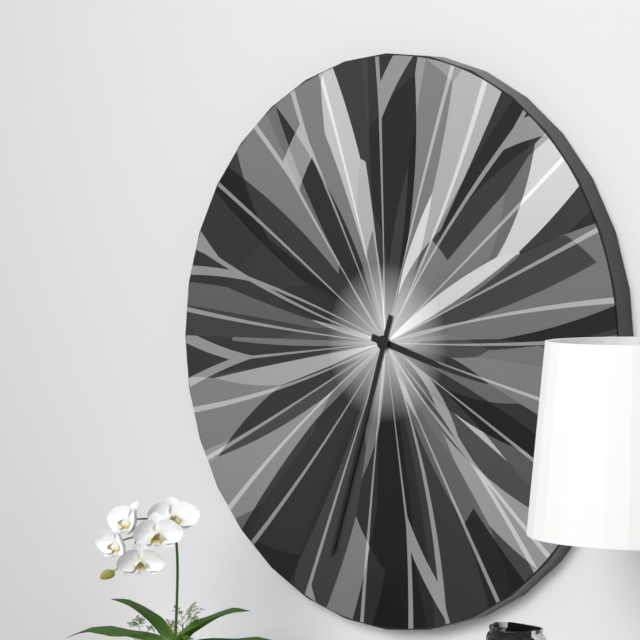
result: h=3 m=33
